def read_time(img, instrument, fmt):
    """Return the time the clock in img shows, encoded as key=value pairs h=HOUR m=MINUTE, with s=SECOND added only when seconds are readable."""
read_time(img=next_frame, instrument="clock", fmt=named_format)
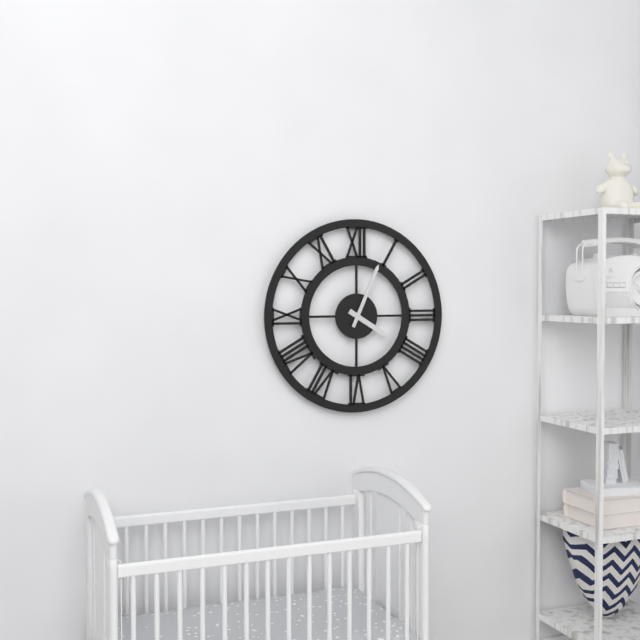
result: h=4 m=4
